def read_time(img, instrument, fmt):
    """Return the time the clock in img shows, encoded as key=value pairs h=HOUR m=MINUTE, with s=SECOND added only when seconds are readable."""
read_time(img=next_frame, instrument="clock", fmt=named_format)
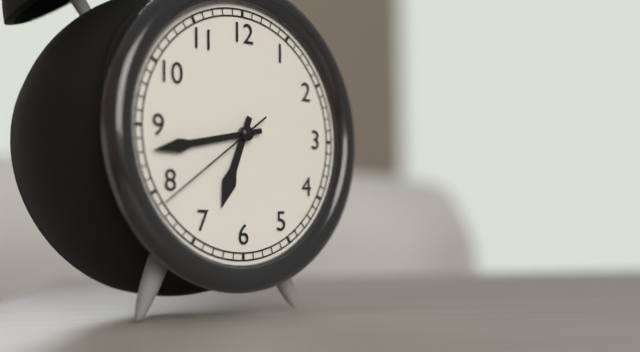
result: h=6 m=43 s=39
